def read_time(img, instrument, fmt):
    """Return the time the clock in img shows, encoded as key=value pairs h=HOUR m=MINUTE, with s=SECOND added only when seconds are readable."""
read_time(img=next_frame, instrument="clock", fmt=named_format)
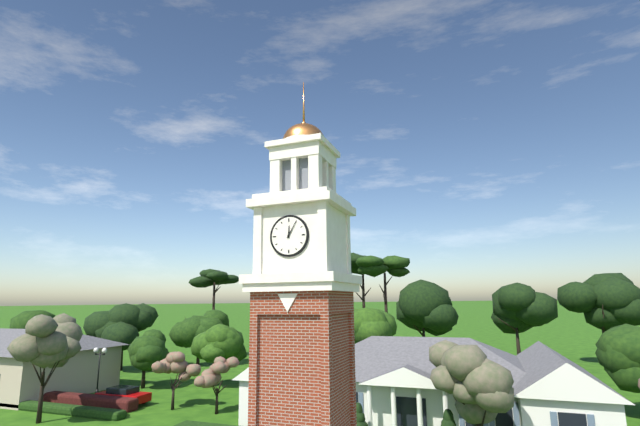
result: h=12 m=5
